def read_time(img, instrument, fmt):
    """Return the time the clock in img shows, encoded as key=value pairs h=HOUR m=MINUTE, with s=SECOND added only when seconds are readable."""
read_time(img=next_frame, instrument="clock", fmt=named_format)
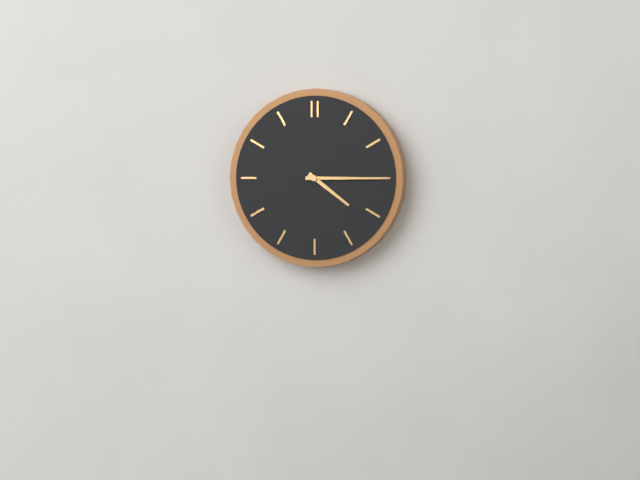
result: h=4 m=15
